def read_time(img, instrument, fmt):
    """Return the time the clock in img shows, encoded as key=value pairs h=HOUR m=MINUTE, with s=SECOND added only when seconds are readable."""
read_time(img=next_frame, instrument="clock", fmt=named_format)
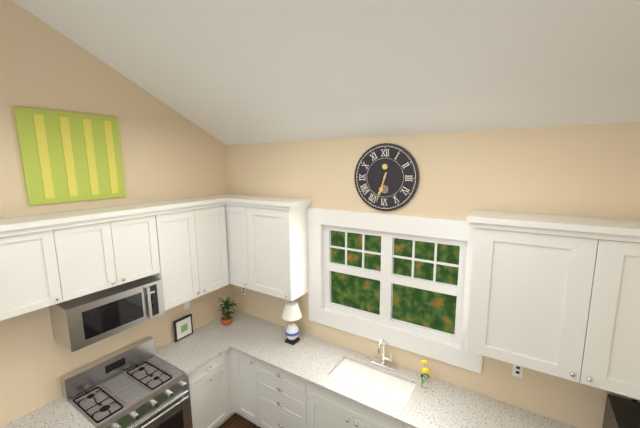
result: h=6 m=33
